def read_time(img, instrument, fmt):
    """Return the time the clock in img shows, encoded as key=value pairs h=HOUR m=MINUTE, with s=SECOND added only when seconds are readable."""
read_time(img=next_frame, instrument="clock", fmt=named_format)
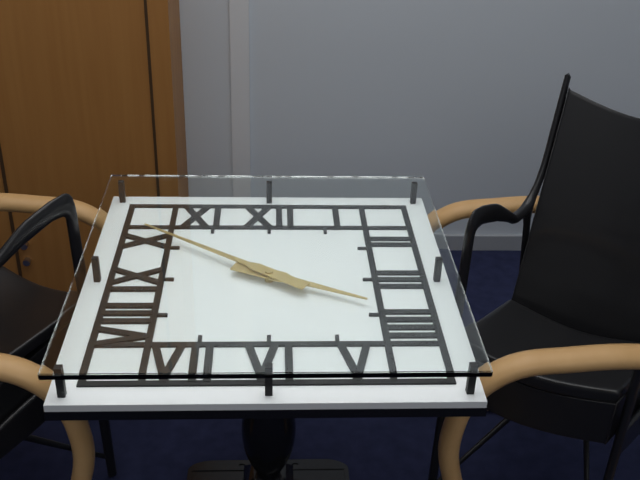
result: h=3 m=51
